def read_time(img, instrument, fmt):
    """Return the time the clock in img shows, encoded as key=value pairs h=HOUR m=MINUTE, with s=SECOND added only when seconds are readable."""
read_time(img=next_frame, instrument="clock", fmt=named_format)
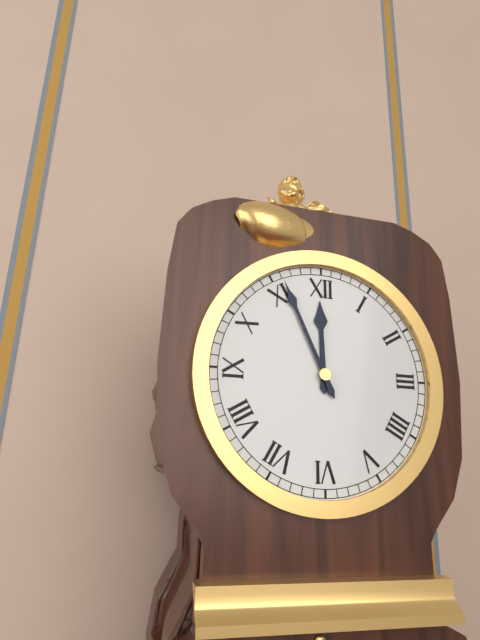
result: h=11 m=56
